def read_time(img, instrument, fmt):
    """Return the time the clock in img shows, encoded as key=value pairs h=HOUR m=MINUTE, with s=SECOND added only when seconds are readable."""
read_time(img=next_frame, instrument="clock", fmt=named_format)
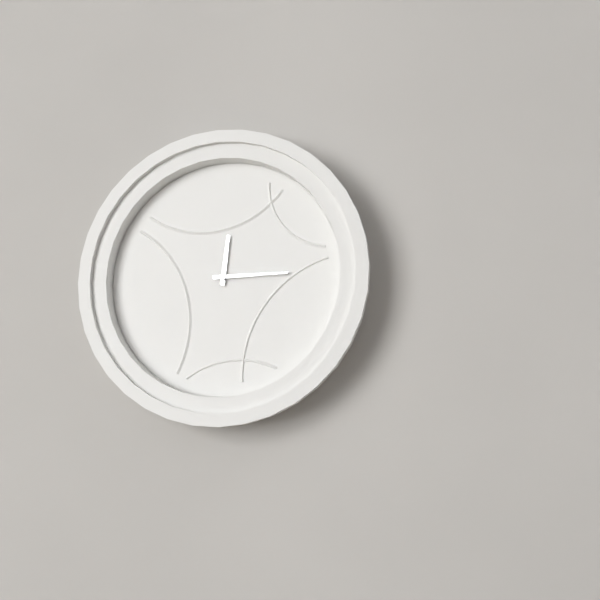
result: h=12 m=15
